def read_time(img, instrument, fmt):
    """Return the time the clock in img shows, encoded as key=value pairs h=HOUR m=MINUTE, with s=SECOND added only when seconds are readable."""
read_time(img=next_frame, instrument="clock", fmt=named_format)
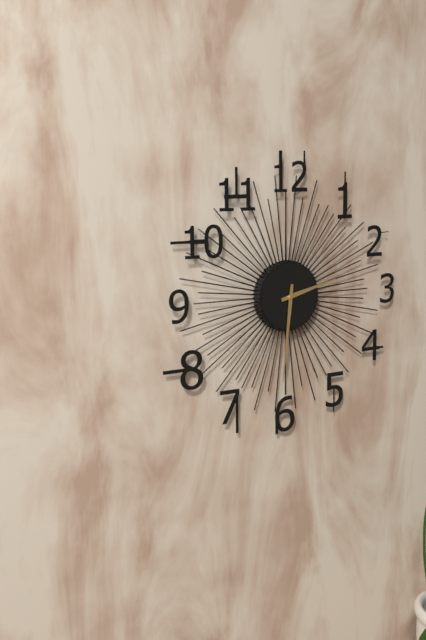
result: h=2 m=31
